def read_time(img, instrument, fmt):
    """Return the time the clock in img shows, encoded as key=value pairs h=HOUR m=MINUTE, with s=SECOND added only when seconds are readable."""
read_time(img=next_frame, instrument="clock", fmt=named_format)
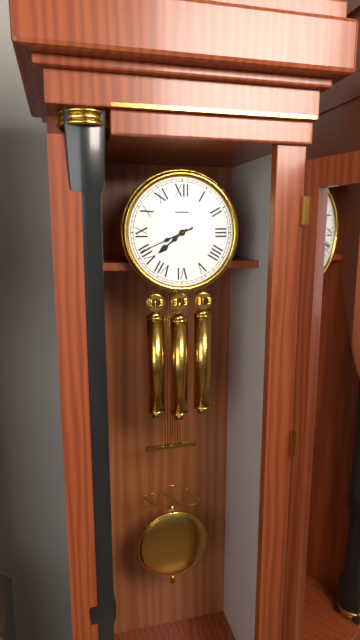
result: h=7 m=41
